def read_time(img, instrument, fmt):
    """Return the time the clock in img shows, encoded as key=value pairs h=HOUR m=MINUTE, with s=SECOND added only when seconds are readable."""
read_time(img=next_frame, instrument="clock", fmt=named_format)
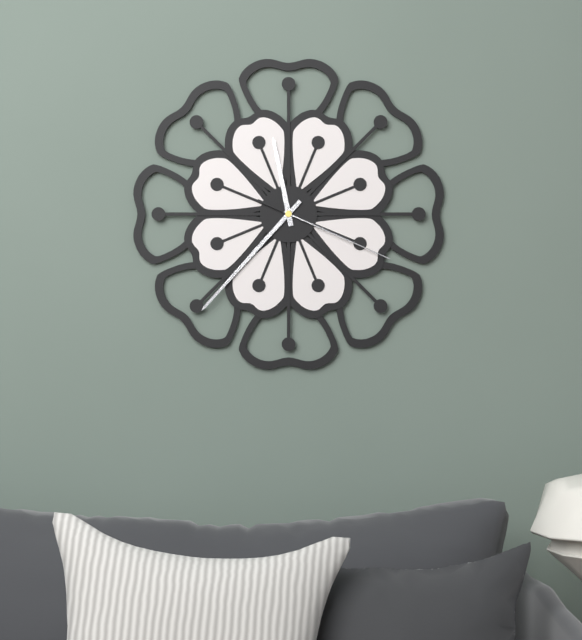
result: h=11 m=37 s=19
